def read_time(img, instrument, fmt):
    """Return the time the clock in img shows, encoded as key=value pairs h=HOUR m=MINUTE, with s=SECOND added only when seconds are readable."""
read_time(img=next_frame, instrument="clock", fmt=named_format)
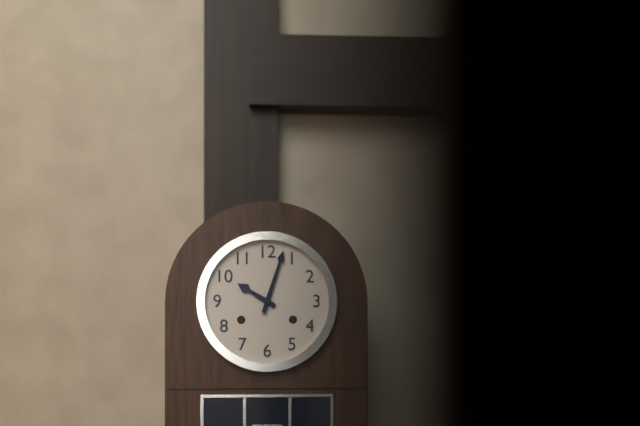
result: h=10 m=3
